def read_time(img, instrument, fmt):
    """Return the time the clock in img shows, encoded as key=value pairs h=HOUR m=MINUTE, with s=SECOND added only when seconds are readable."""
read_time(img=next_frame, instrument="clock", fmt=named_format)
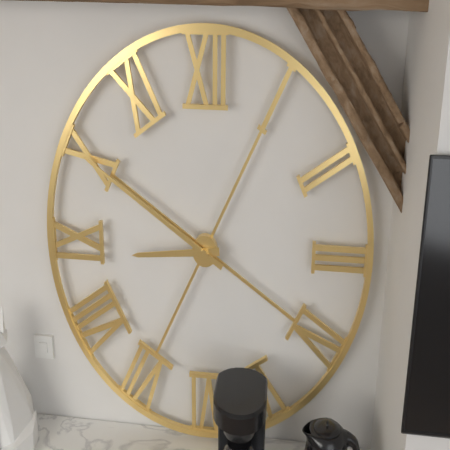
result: h=8 m=50
